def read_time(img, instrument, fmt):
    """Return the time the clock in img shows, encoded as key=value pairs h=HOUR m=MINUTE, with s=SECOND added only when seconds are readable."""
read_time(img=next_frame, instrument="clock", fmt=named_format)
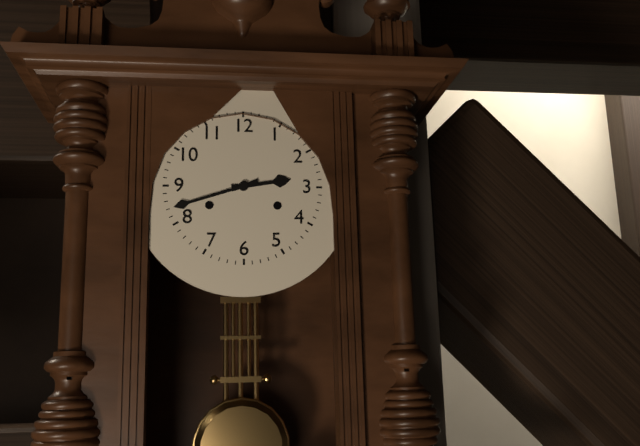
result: h=2 m=42
